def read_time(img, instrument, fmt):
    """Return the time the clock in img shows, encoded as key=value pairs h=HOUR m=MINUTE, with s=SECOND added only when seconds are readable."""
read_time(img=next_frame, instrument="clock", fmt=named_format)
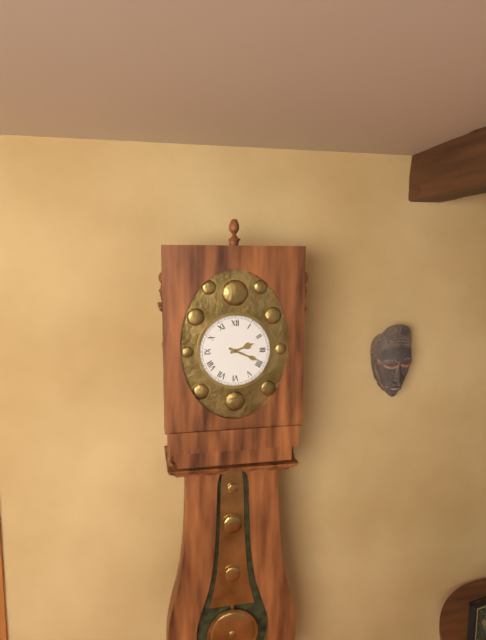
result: h=2 m=19
